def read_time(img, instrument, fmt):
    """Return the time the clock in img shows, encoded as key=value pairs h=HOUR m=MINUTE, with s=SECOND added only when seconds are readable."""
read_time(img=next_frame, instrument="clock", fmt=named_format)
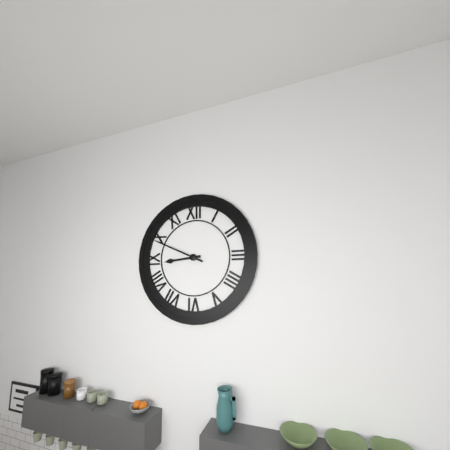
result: h=8 m=49
